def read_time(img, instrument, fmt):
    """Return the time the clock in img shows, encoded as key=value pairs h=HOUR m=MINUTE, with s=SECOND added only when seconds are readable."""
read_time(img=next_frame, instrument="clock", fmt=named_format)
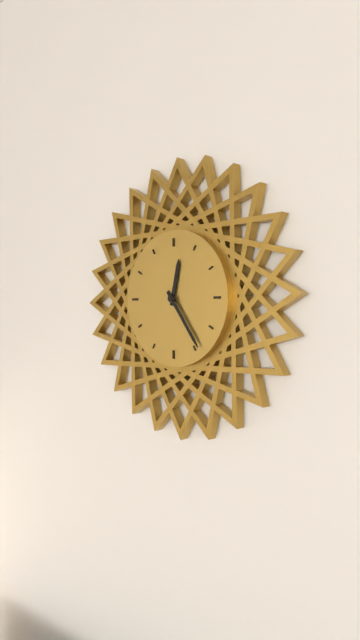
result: h=12 m=24
